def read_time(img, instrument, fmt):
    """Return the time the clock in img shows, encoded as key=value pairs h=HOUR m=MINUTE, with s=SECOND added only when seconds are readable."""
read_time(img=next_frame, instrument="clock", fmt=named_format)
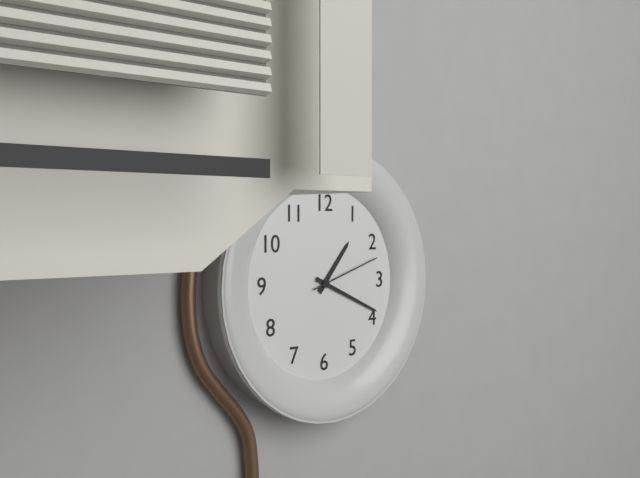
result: h=1 m=19 s=12
